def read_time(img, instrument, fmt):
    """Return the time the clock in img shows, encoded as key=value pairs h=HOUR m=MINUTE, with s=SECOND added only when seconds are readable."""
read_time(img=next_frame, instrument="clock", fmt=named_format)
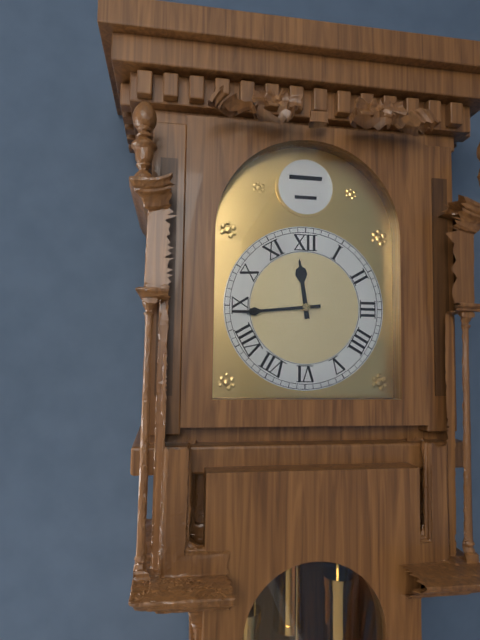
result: h=11 m=44
